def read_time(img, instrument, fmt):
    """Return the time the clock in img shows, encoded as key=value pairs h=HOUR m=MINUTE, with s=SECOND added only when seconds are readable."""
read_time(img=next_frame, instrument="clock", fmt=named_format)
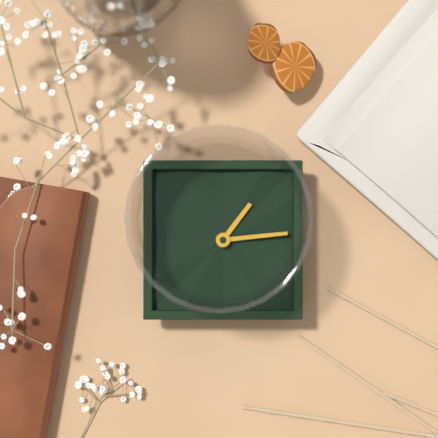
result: h=1 m=14
